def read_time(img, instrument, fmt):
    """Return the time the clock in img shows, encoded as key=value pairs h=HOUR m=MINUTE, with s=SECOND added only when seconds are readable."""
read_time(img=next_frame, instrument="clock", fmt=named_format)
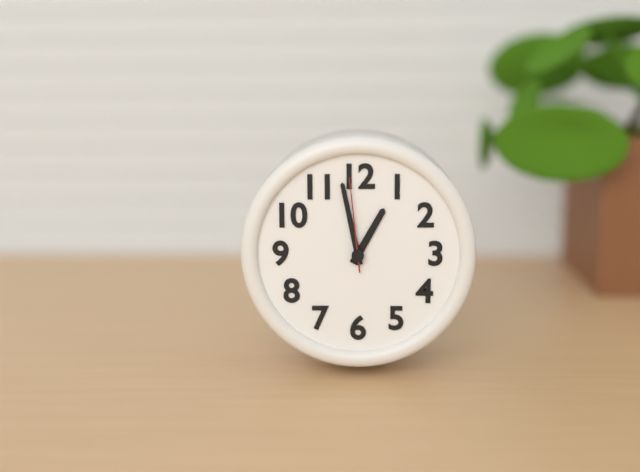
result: h=12 m=58 s=59
